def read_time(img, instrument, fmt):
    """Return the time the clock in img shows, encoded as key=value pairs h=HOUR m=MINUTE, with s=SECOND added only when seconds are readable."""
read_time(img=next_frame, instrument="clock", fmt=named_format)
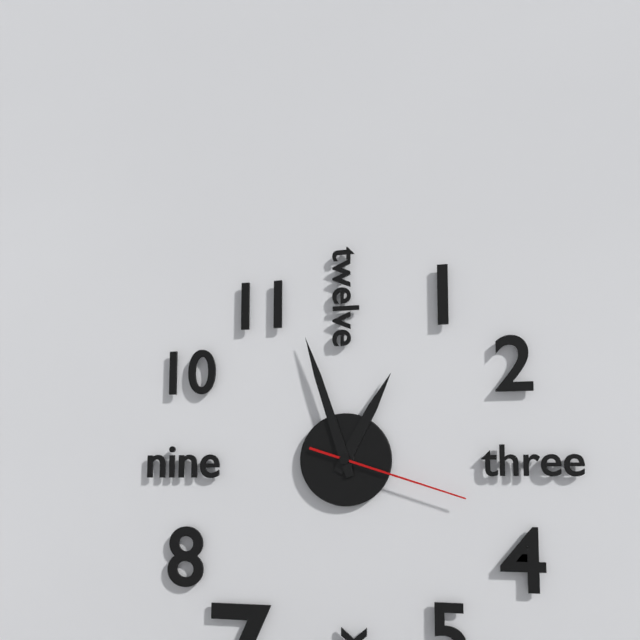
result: h=12 m=57 s=18
